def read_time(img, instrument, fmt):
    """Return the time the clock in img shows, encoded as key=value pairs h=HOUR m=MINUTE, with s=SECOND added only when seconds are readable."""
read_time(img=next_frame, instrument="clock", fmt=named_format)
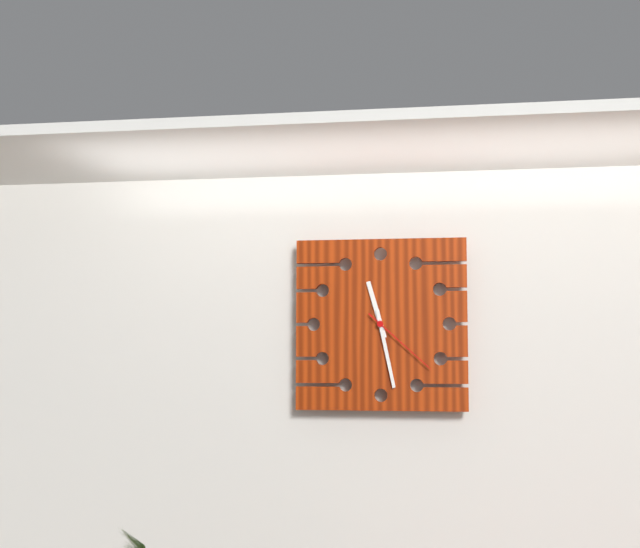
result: h=11 m=28 s=22
